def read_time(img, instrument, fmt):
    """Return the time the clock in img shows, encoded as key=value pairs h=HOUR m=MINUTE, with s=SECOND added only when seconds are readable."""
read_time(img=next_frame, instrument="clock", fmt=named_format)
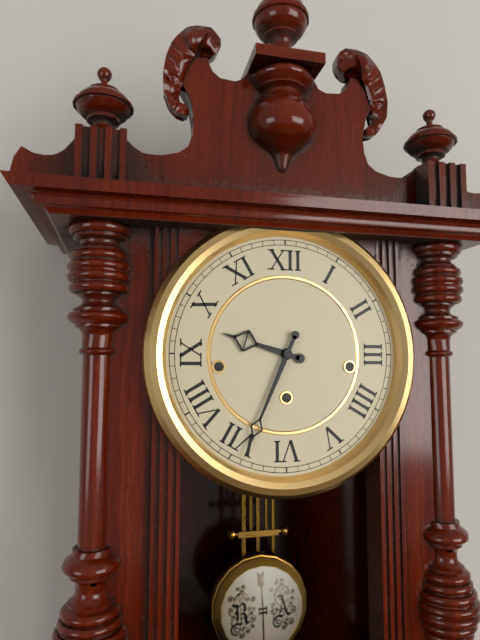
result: h=9 m=34
